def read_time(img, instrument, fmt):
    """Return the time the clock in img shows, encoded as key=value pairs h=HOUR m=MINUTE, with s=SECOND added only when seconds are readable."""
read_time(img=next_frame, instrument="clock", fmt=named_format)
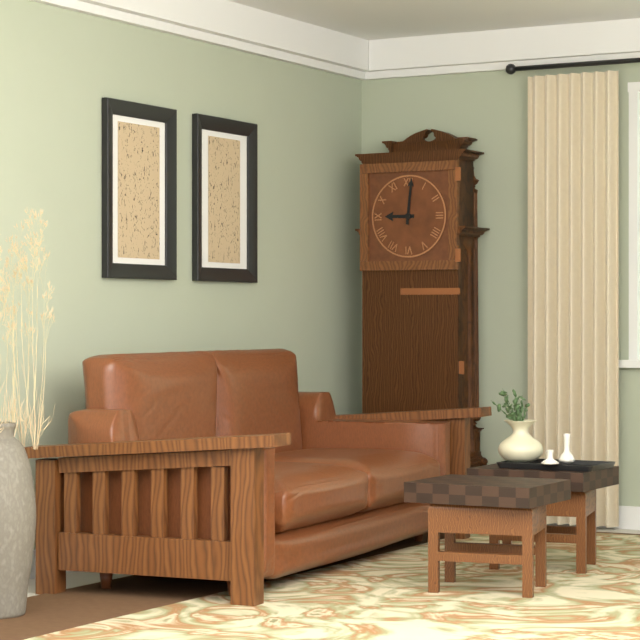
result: h=9 m=1
